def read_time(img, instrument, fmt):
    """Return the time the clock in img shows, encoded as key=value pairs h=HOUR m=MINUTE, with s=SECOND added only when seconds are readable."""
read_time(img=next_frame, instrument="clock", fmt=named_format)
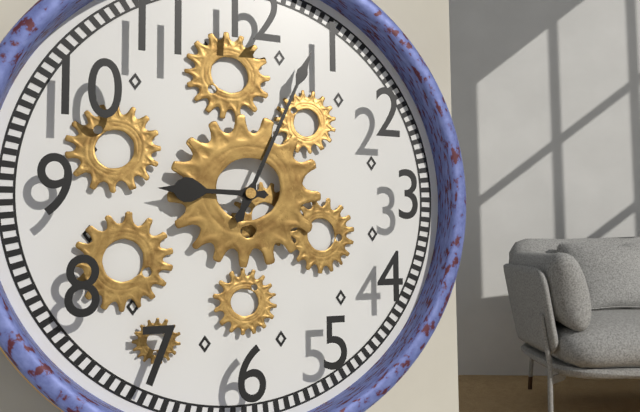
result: h=9 m=4
